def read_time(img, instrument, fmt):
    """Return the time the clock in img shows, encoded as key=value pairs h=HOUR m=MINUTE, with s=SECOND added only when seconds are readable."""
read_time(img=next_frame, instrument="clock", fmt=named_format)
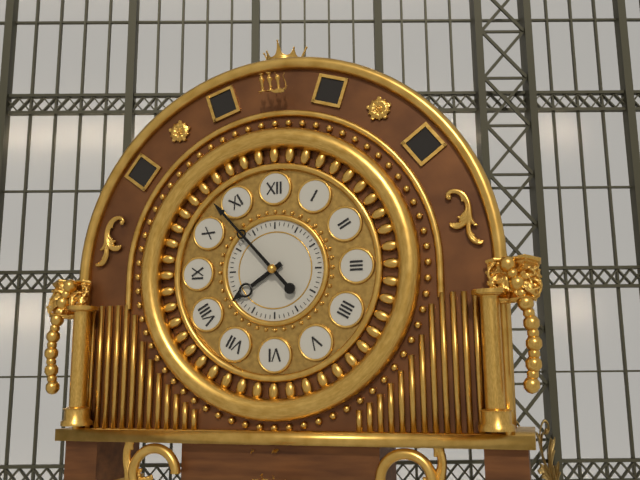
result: h=7 m=53
